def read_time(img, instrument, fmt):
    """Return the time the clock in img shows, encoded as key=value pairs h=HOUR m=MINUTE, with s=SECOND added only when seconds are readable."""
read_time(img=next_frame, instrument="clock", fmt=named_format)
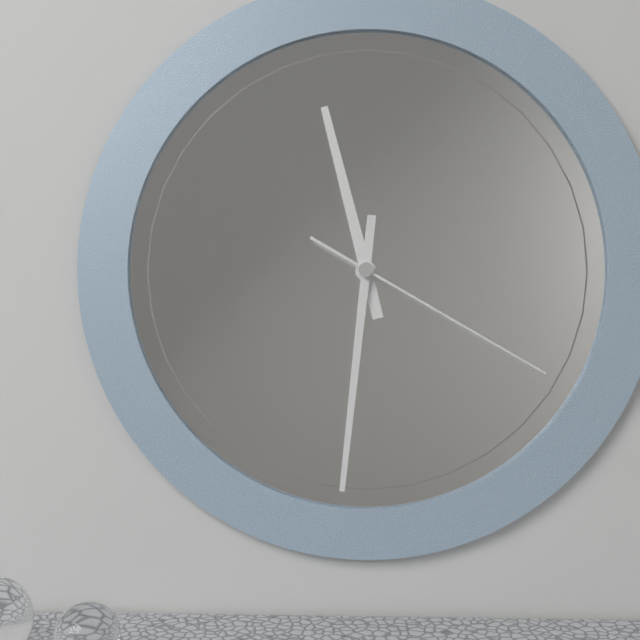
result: h=11 m=31 s=20
